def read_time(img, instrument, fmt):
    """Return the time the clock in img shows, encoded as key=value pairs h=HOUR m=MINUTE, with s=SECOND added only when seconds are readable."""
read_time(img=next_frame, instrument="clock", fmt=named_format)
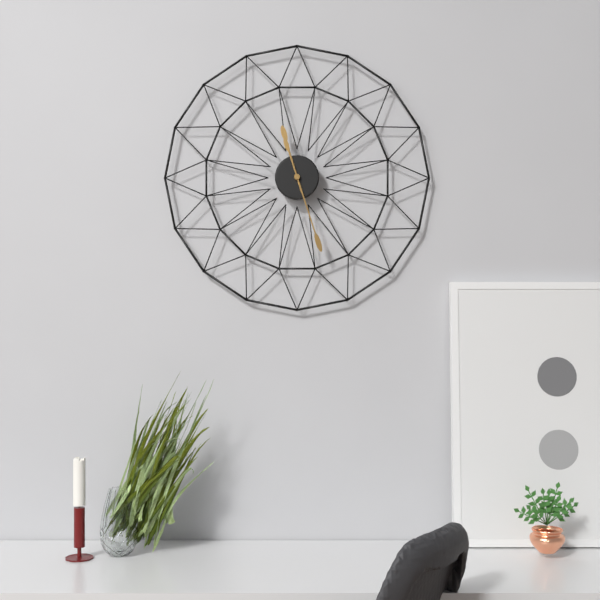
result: h=11 m=27
